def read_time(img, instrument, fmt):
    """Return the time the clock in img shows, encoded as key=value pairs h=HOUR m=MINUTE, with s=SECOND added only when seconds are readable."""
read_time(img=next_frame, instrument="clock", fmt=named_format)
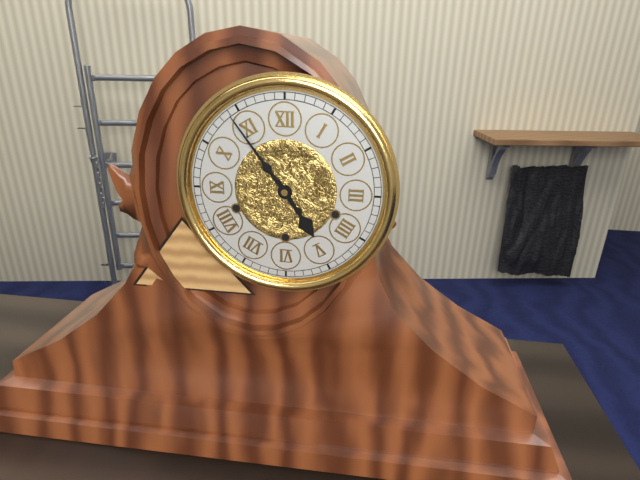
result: h=4 m=54
